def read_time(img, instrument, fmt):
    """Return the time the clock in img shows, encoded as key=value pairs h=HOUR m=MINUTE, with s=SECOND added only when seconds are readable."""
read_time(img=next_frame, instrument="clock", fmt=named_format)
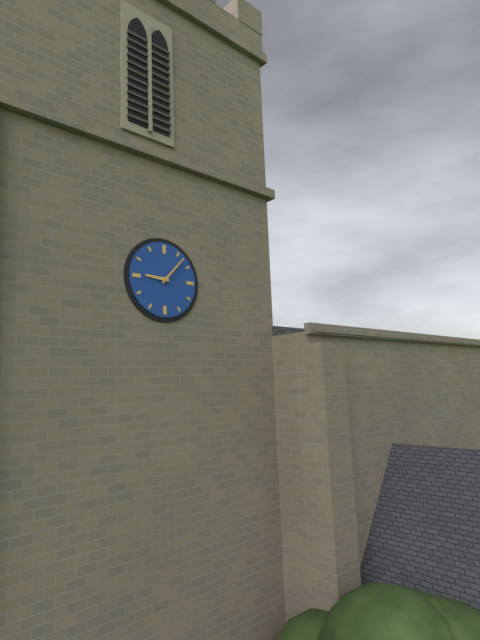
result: h=9 m=7
